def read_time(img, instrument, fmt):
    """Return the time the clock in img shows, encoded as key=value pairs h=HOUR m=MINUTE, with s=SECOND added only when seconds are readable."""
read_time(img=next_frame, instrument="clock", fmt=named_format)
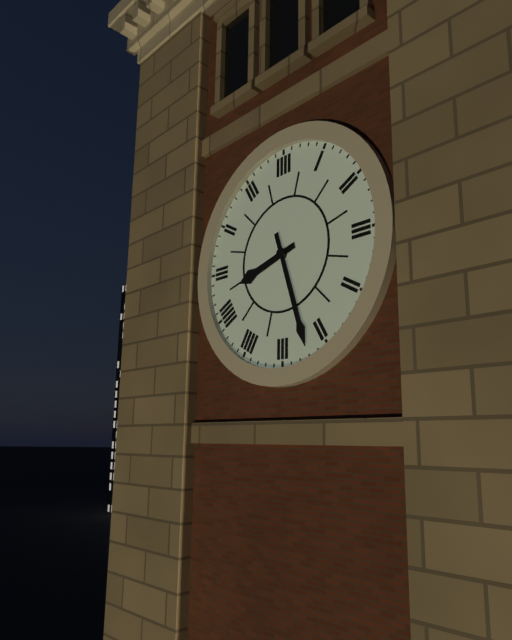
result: h=8 m=27
